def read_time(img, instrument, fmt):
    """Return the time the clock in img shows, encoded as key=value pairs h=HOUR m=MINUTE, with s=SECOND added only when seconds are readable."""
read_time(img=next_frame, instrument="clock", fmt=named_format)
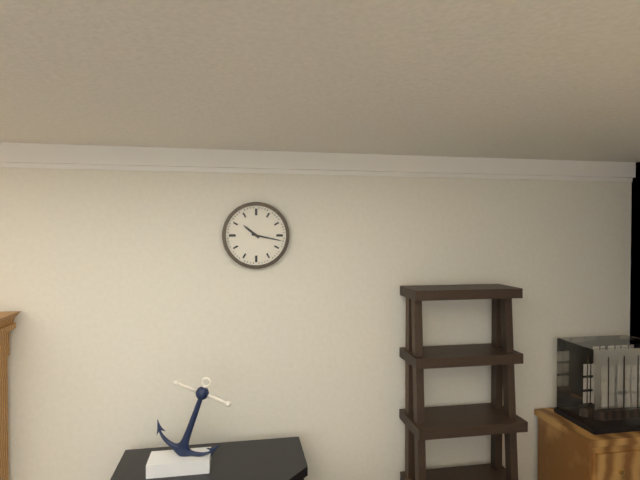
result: h=10 m=17
